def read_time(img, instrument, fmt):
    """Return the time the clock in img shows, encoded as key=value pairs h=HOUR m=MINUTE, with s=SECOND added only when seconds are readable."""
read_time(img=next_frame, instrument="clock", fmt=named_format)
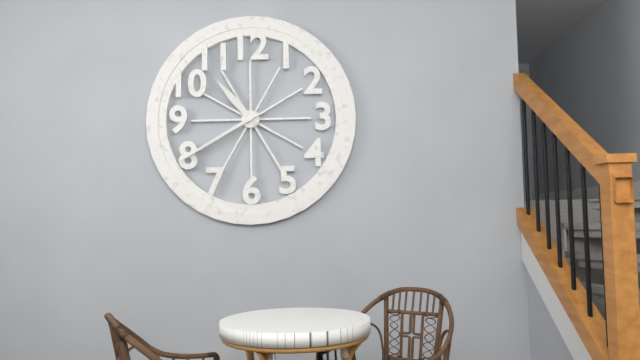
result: h=10 m=40
